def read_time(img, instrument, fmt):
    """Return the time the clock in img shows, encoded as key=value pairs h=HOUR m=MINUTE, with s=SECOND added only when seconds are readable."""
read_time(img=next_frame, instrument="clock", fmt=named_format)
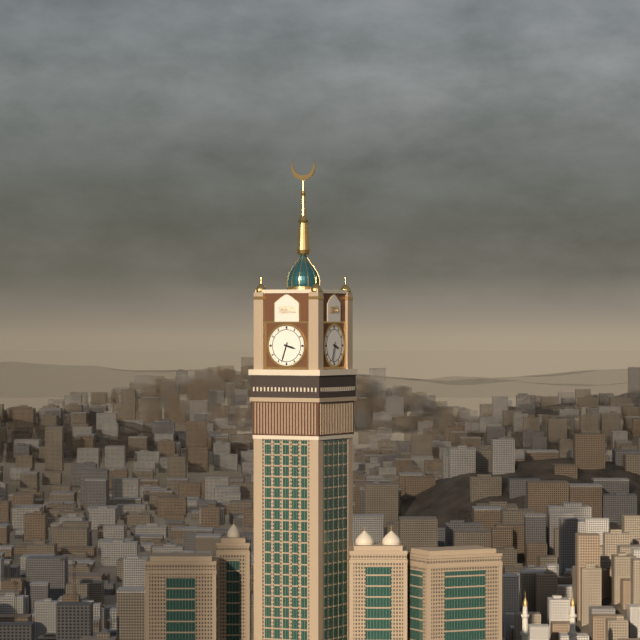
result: h=3 m=33
